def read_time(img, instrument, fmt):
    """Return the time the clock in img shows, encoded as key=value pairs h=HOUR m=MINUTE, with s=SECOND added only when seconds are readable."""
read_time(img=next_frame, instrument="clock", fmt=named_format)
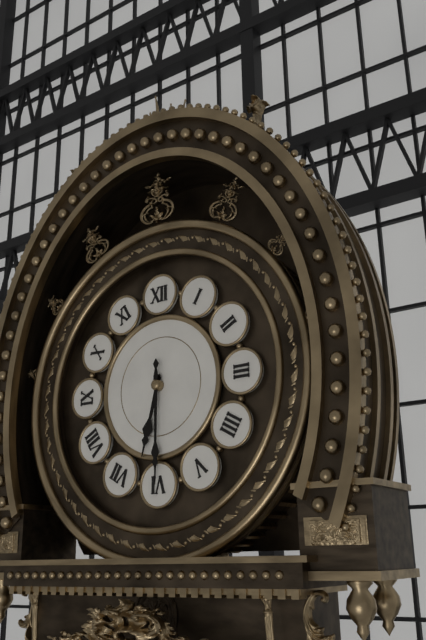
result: h=6 m=30
